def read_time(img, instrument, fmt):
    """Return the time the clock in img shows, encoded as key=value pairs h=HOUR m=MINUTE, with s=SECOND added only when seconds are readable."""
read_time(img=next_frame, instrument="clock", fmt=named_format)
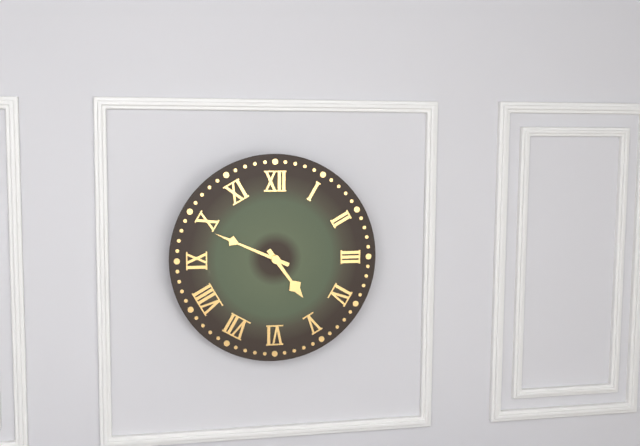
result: h=4 m=49
